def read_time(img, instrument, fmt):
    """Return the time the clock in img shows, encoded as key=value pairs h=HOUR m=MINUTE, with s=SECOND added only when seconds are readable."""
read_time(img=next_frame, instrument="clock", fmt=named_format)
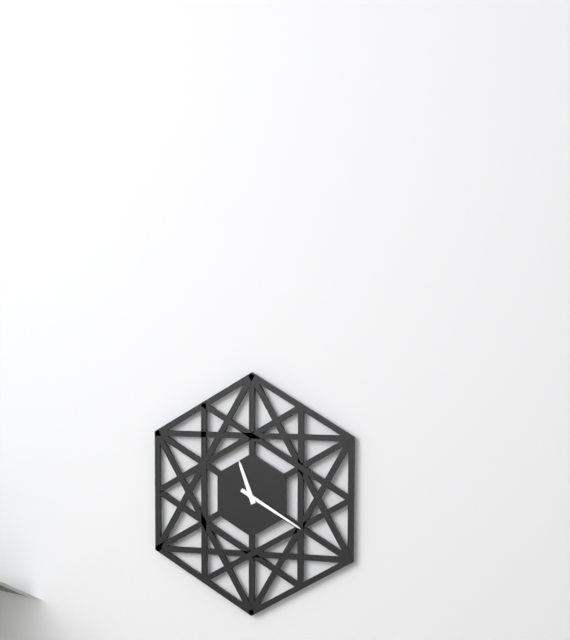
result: h=11 m=20
